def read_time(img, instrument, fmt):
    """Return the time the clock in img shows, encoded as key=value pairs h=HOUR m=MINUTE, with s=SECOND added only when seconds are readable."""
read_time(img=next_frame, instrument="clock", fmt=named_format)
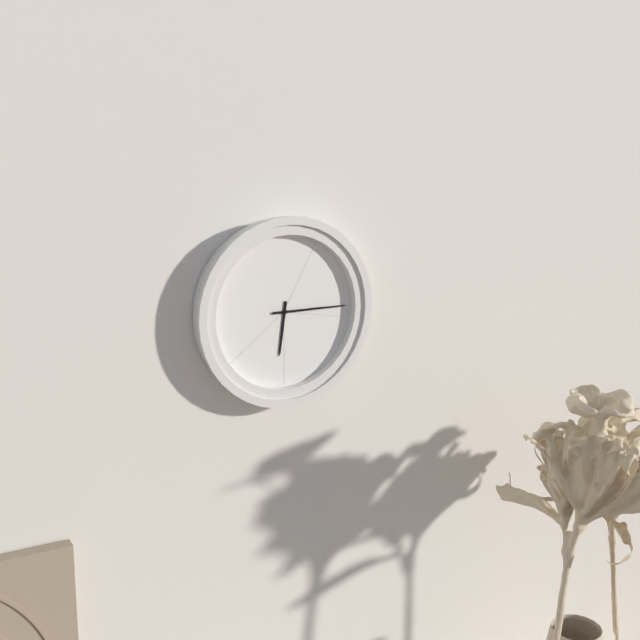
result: h=6 m=15
